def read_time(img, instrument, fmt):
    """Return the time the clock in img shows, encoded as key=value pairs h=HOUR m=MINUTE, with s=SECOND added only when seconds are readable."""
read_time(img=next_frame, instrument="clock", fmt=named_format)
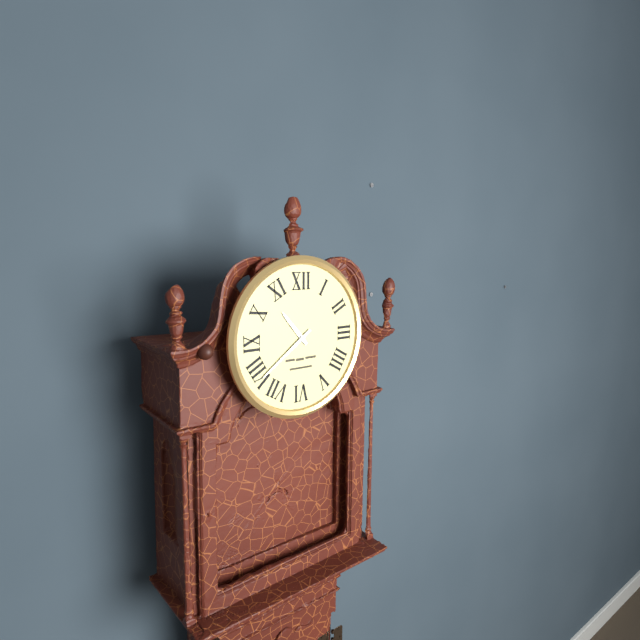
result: h=10 m=39
